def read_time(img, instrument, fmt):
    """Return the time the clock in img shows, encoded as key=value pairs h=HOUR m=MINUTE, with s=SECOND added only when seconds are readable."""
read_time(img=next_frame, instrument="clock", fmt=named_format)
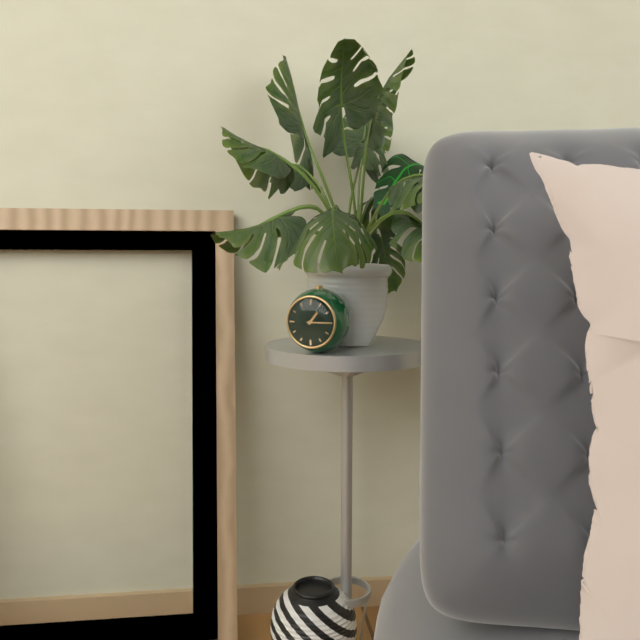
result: h=1 m=15
